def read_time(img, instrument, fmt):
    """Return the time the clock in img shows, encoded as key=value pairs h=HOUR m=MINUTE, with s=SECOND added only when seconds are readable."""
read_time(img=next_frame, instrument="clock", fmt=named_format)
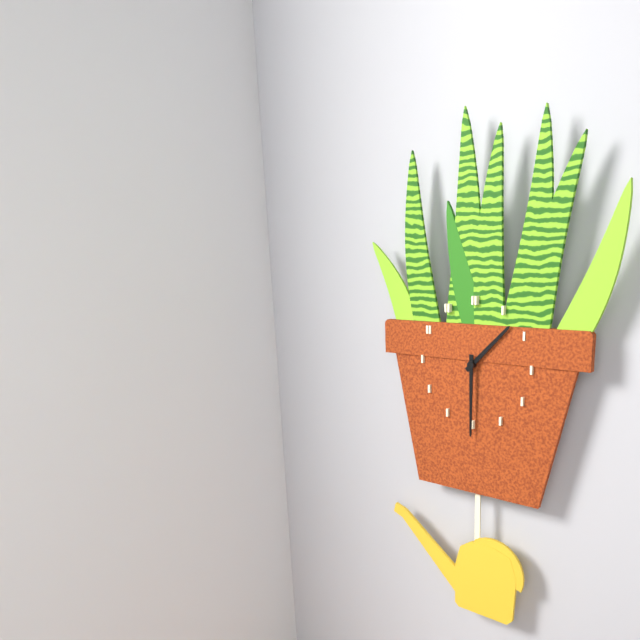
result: h=1 m=30
